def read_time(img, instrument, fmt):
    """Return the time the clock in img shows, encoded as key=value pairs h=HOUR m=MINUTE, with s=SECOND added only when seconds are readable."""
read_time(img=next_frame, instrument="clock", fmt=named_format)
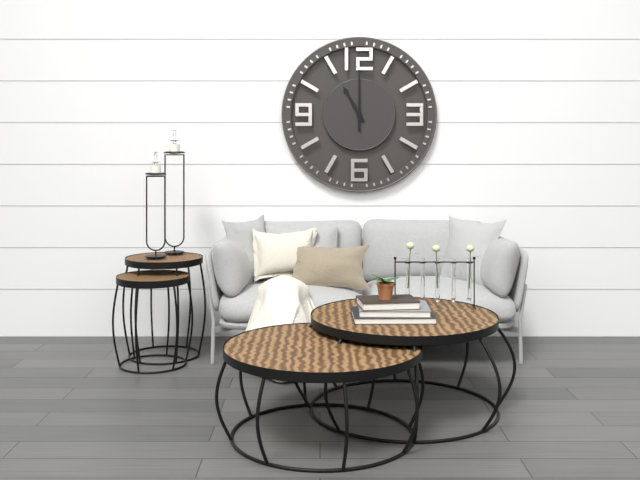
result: h=11 m=0
